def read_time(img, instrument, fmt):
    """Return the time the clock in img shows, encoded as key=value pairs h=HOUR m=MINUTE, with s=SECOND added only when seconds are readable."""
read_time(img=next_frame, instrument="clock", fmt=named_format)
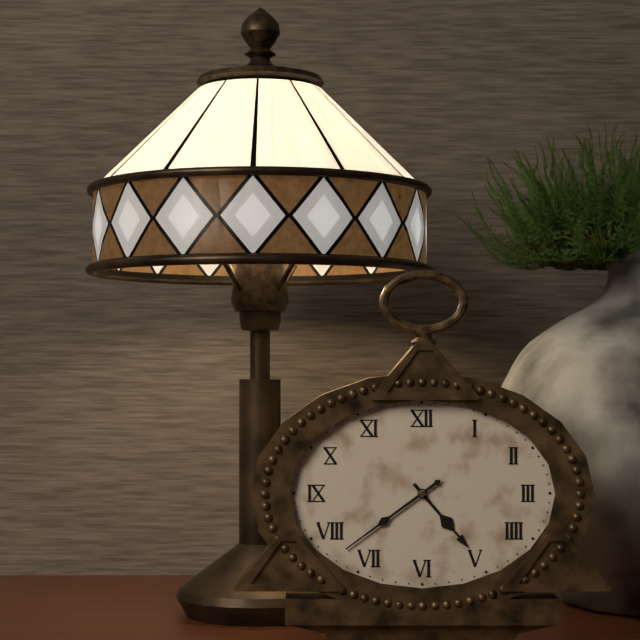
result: h=4 m=39
